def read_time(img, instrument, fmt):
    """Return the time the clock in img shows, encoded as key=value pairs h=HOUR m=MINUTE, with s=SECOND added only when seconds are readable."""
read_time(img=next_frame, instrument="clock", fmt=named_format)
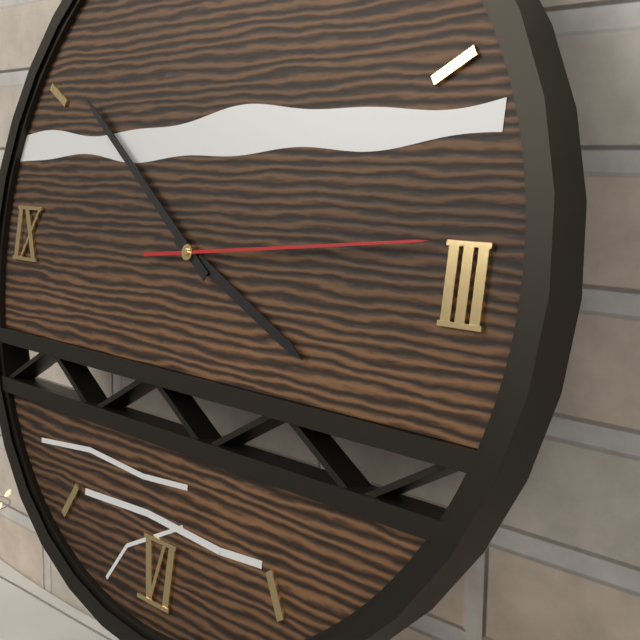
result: h=3 m=51 s=14
